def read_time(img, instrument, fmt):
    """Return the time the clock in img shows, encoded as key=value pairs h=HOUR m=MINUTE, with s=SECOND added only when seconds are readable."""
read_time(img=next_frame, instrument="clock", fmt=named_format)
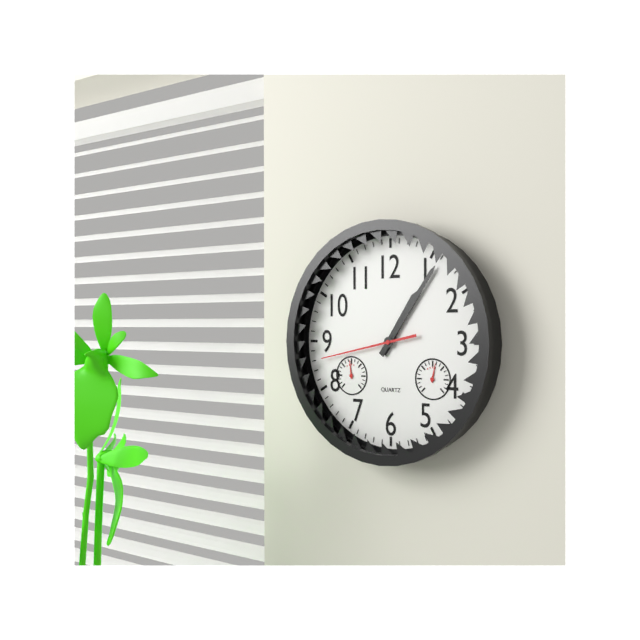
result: h=1 m=6 s=43
